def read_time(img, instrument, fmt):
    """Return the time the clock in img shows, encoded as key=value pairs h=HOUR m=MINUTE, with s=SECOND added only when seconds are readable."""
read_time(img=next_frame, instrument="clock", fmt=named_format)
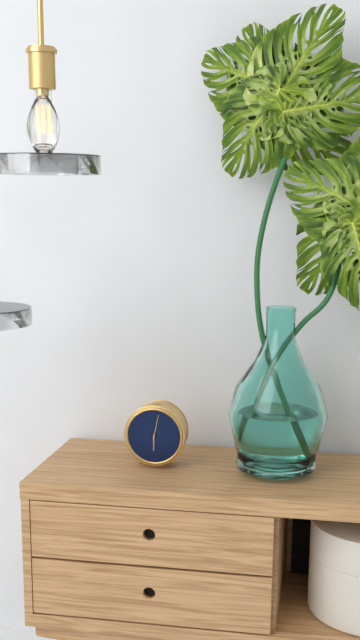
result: h=6 m=2
